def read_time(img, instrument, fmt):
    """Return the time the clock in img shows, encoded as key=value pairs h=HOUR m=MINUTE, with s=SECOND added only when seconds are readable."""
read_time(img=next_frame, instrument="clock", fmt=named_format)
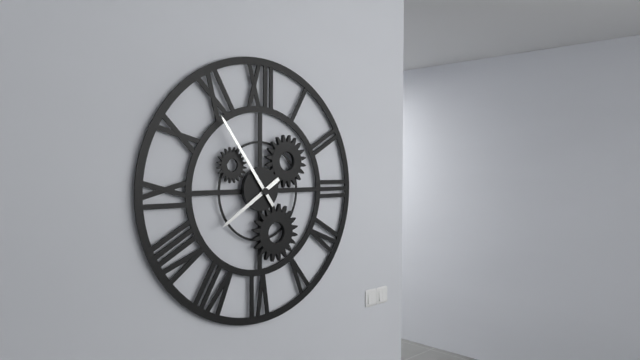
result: h=7 m=54
